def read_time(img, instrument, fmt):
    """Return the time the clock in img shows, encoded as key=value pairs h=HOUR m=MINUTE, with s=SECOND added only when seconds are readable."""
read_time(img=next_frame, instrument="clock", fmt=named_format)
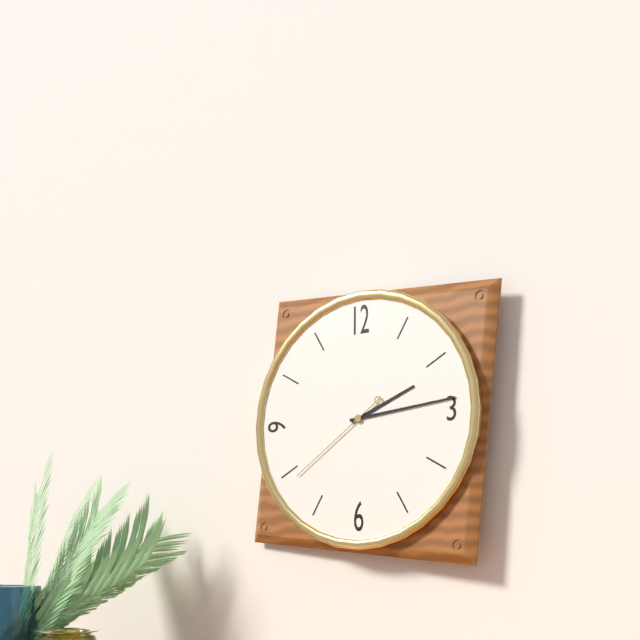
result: h=2 m=14 s=39
